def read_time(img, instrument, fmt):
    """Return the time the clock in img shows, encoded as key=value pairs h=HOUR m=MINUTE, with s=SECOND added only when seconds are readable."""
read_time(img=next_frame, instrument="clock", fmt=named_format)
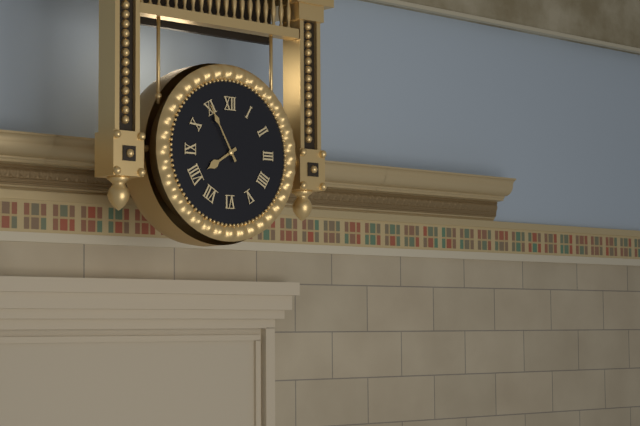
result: h=7 m=55
